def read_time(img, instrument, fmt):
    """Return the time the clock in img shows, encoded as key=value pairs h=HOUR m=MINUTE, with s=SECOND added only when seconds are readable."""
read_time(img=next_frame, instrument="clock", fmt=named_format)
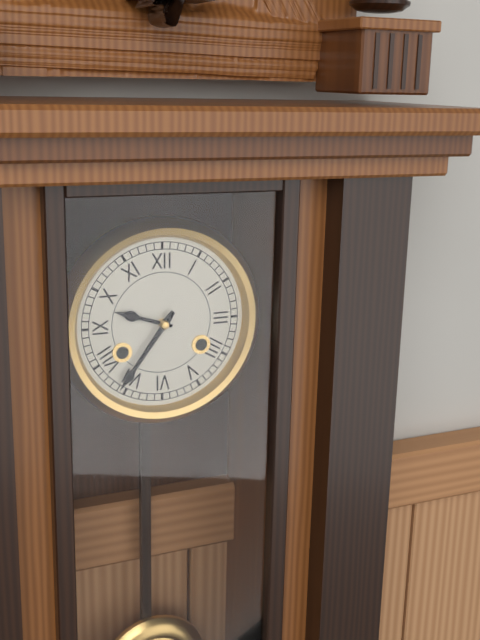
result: h=9 m=36
